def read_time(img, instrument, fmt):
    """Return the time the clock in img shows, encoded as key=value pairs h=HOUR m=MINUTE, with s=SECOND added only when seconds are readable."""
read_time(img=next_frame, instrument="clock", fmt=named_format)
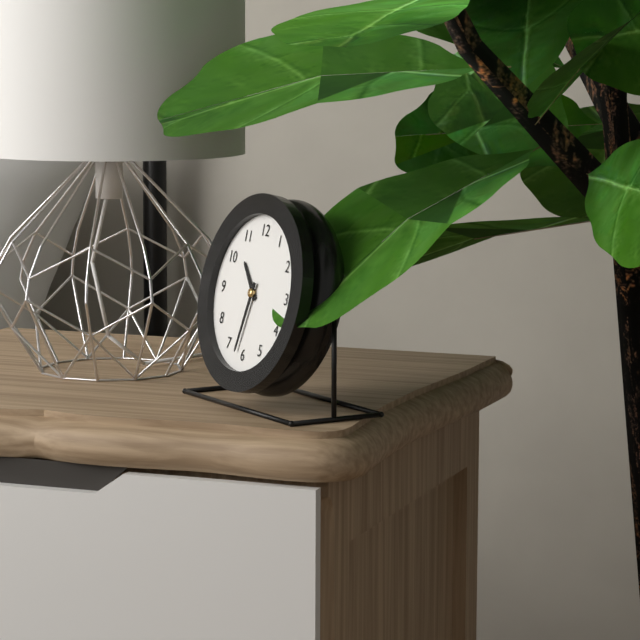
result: h=10 m=32
